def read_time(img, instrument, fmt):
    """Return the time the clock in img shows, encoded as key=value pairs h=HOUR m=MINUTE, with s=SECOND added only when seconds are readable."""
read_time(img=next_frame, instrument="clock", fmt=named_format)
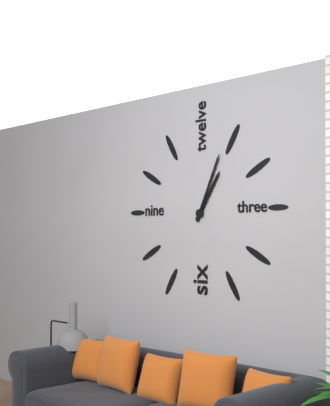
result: h=1 m=4
